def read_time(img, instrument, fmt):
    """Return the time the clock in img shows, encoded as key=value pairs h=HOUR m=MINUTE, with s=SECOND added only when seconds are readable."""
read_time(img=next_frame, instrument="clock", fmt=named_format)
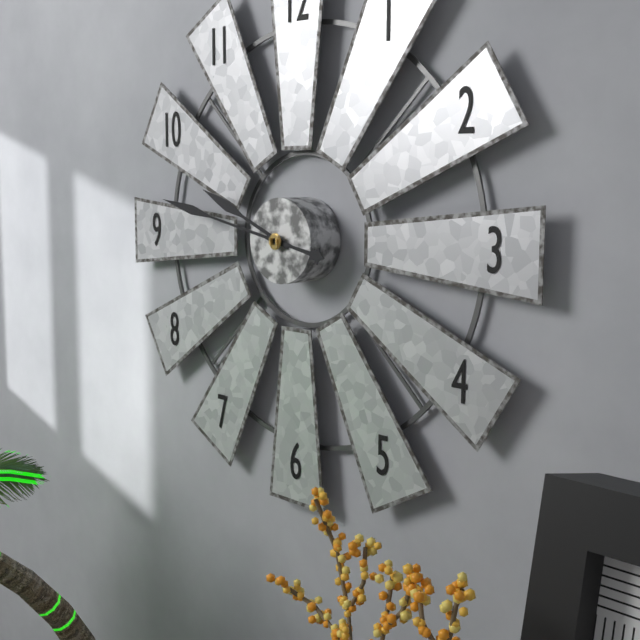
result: h=9 m=47
